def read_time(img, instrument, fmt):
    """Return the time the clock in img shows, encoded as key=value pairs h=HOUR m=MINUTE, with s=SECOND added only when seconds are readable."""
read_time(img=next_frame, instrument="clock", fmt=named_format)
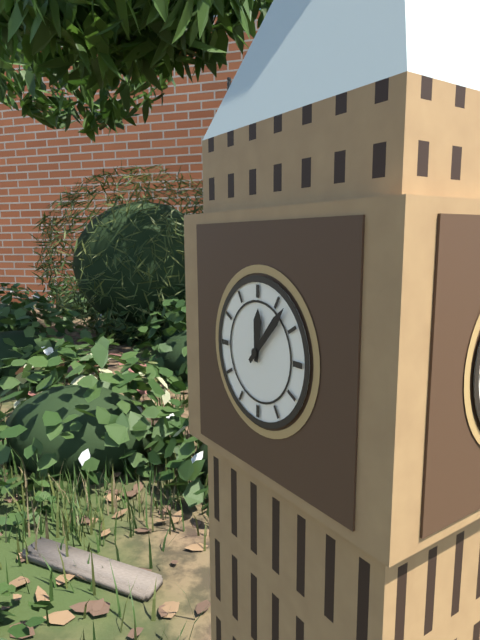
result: h=12 m=7
